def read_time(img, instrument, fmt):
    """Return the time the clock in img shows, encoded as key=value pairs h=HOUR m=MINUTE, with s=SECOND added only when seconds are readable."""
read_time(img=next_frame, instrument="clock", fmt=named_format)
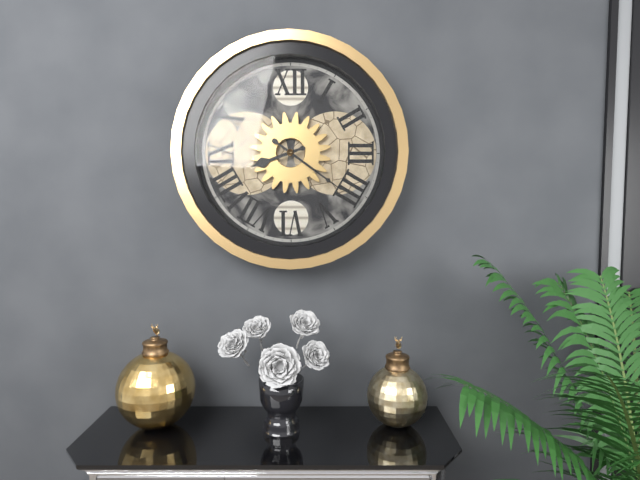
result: h=8 m=21
